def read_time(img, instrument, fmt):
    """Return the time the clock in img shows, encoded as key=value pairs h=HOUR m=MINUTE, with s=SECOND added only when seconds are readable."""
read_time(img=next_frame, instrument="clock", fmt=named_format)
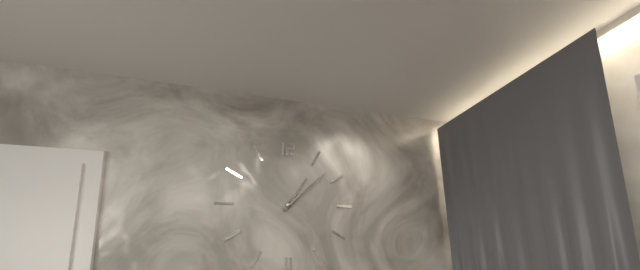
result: h=1 m=8
